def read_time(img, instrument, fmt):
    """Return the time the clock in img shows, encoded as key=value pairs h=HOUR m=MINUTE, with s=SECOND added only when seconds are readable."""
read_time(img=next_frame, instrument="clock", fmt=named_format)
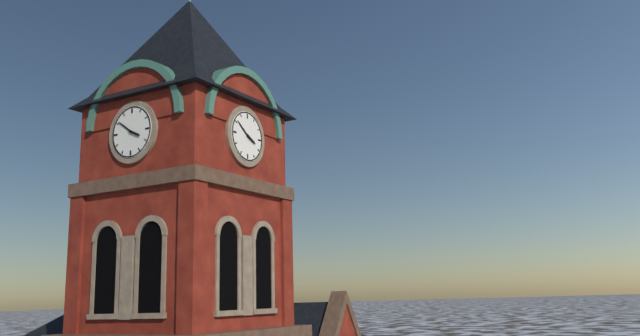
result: h=3 m=51
